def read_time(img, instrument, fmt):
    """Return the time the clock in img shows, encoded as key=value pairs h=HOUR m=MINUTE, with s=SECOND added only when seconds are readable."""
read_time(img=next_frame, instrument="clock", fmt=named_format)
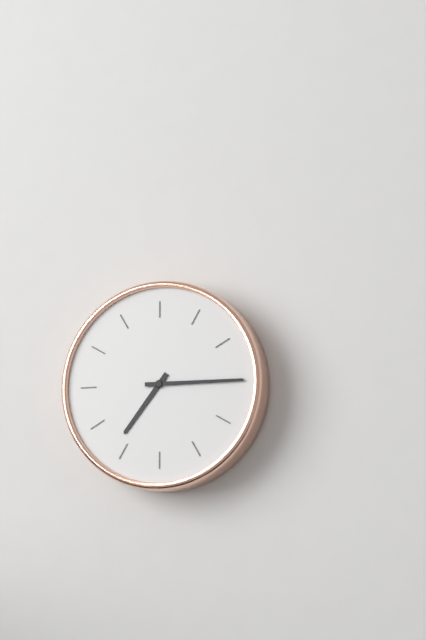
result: h=7 m=15
